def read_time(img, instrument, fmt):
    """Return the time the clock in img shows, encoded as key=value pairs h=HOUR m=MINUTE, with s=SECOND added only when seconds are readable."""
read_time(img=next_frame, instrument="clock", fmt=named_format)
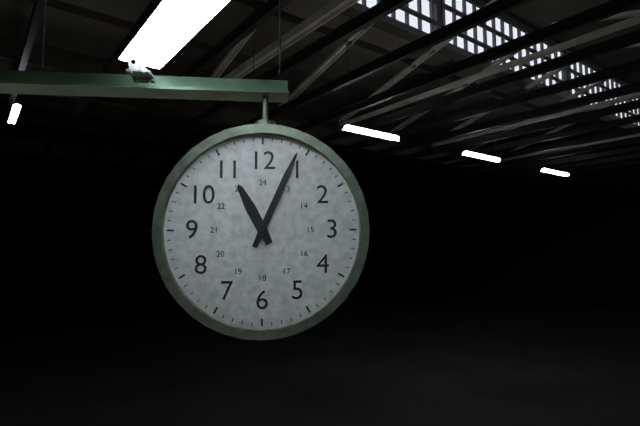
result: h=11 m=4
